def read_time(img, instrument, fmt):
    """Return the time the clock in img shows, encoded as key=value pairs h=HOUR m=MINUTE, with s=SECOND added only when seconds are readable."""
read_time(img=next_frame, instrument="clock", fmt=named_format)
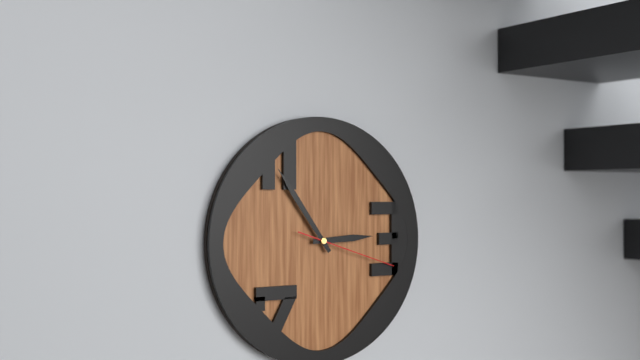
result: h=2 m=54 s=18
